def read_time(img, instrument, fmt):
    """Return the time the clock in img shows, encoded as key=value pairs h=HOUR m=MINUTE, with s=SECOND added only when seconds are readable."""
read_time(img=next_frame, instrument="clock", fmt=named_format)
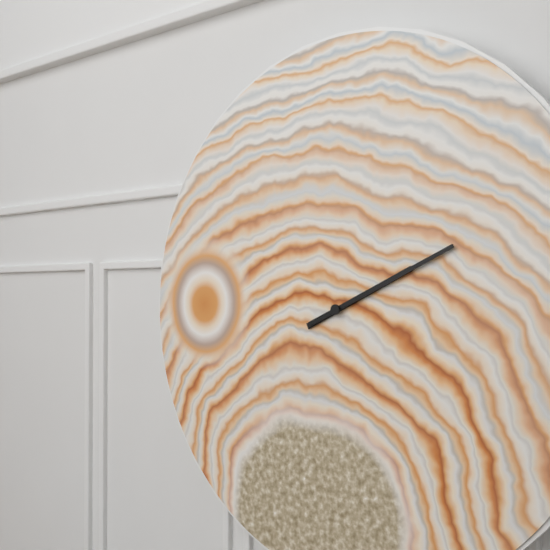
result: h=2 m=11
